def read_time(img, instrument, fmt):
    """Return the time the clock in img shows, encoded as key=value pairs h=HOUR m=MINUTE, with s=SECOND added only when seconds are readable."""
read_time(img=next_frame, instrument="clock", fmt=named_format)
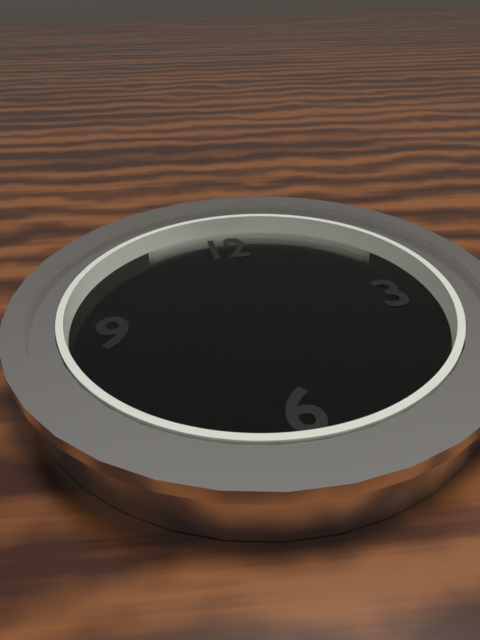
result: h=7 m=13
